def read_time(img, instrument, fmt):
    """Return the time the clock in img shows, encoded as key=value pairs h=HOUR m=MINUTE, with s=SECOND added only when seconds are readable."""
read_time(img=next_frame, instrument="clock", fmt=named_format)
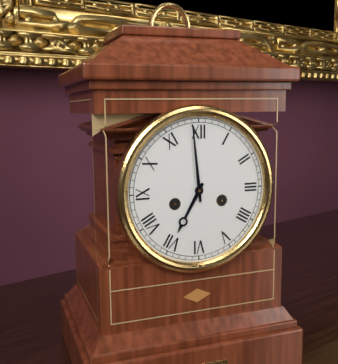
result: h=6 m=59
